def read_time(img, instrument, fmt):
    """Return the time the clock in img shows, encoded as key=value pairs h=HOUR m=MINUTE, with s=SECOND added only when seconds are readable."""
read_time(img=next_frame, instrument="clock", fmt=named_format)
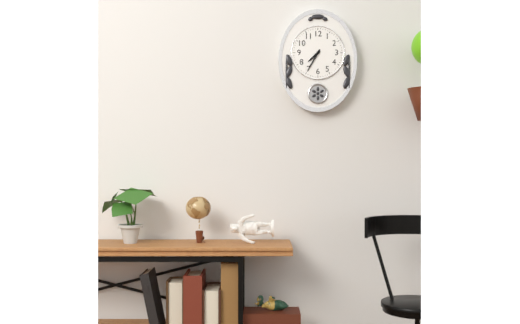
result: h=7 m=35
